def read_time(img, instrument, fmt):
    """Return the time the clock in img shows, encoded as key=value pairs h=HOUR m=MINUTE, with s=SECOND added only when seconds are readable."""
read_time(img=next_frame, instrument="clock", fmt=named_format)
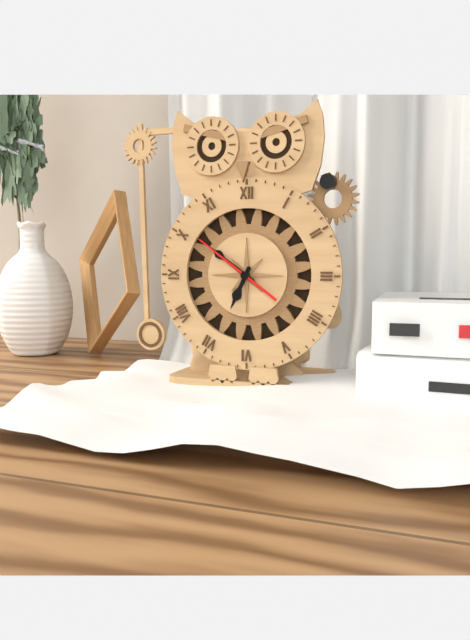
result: h=6 m=51 s=51
